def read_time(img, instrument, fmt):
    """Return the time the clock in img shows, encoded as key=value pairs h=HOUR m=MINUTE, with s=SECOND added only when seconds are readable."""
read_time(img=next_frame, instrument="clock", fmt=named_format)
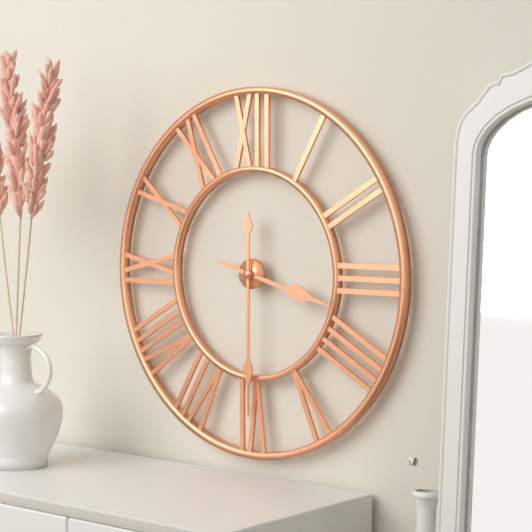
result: h=3 m=30
